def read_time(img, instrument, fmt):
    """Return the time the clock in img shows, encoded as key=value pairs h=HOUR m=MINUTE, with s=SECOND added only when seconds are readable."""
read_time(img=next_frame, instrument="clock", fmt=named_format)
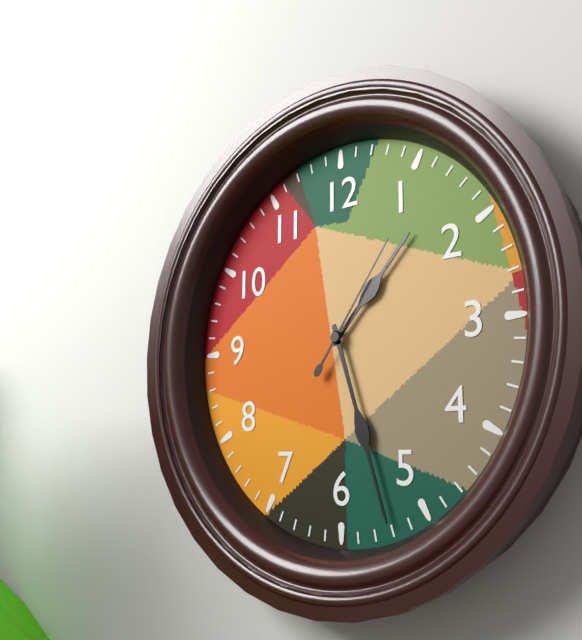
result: h=1 m=27 s=6
